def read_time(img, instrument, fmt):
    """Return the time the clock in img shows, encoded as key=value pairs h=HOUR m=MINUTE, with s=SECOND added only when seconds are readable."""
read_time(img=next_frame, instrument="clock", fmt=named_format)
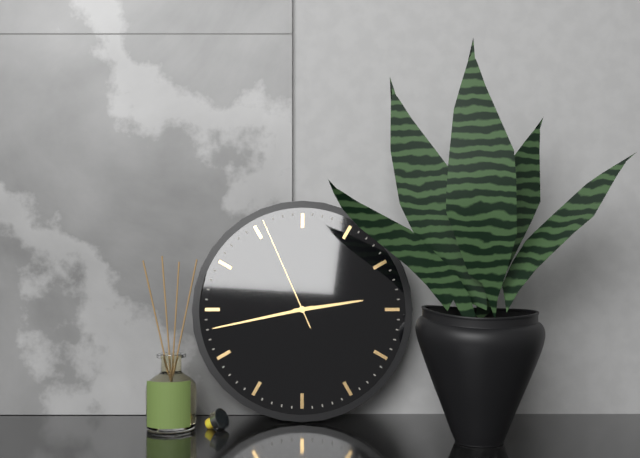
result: h=2 m=43 s=56
